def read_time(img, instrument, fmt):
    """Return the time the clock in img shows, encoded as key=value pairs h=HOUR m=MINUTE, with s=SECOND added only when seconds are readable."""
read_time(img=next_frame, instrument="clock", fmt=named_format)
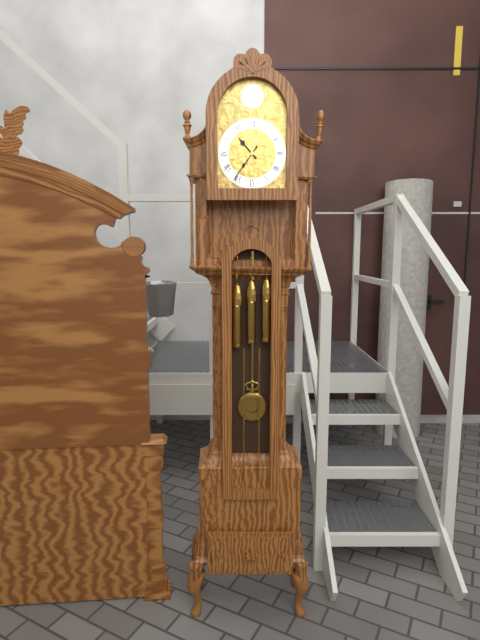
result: h=10 m=36
